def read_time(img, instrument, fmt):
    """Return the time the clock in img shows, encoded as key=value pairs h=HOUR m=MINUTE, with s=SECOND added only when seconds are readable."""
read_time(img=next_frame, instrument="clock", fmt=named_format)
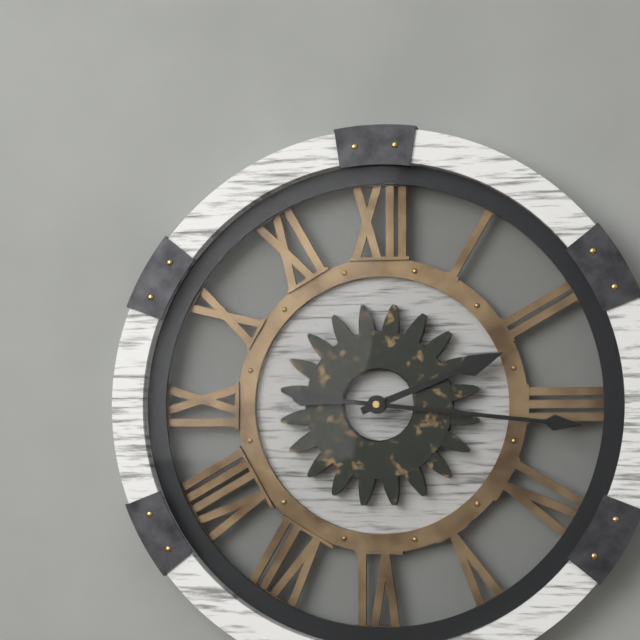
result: h=2 m=16
